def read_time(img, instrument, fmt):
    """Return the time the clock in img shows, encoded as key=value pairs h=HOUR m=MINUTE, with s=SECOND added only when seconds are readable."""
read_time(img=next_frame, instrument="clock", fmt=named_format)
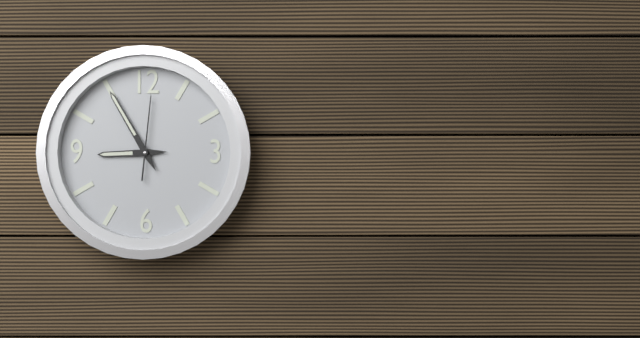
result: h=8 m=55 s=1
